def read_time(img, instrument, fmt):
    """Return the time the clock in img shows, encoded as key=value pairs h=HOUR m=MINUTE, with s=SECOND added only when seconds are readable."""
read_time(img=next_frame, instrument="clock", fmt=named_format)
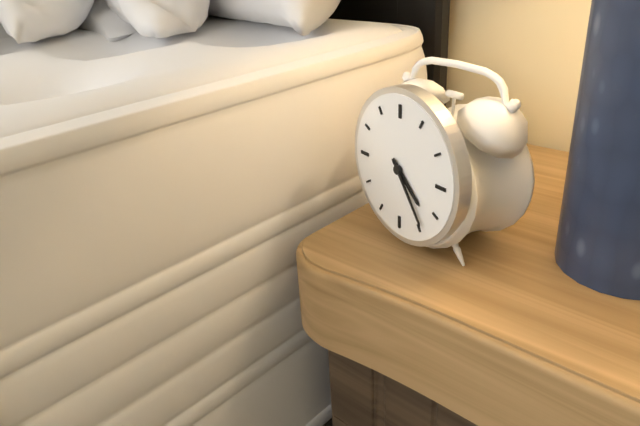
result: h=4 m=24
